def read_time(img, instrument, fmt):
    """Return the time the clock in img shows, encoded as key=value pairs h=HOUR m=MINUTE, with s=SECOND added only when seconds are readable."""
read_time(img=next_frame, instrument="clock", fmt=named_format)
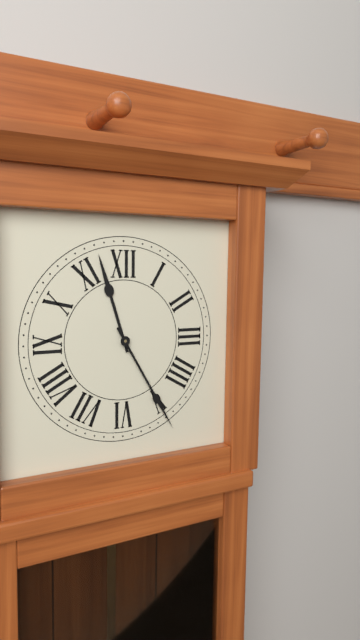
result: h=11 m=25
